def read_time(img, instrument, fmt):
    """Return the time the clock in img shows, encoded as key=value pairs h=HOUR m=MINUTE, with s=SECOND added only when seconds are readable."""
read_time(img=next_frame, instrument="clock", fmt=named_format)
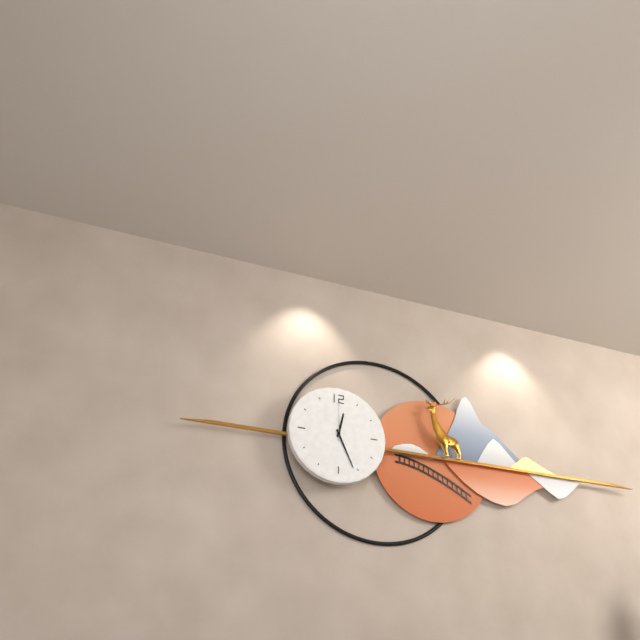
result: h=12 m=26
